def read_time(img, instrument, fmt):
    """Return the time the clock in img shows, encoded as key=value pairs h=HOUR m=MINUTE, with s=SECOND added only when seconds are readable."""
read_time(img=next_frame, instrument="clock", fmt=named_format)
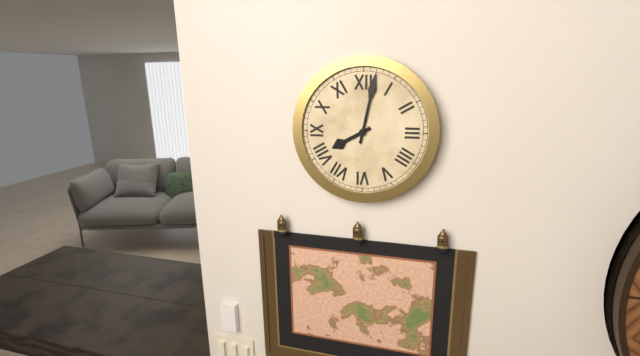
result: h=8 m=2
